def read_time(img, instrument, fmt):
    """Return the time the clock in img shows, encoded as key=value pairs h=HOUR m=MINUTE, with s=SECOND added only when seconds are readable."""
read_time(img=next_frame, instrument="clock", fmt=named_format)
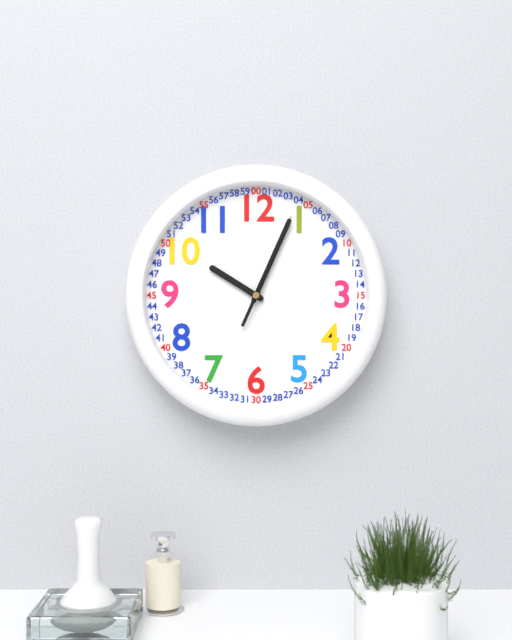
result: h=10 m=4 s=4
